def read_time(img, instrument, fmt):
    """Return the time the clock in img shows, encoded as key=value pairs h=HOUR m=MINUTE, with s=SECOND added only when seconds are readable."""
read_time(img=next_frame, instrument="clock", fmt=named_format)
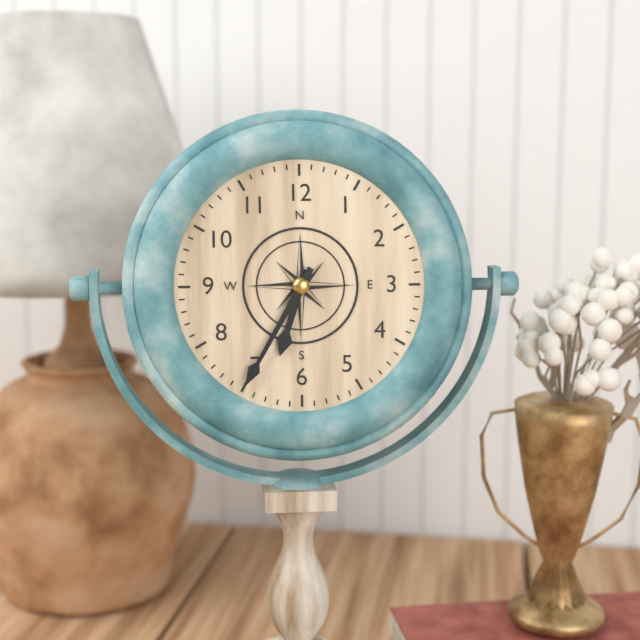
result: h=6 m=35
